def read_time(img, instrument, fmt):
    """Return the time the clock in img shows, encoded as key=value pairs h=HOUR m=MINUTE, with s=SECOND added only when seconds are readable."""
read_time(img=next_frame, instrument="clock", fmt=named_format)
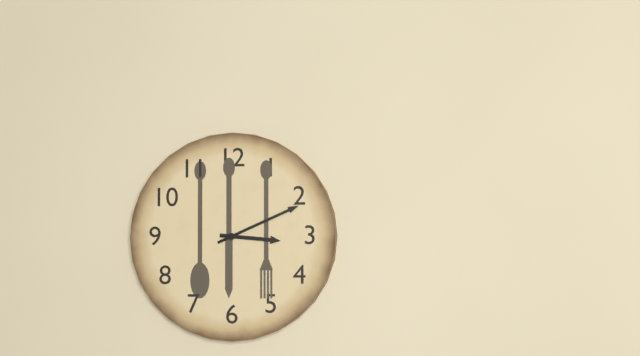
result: h=3 m=11
